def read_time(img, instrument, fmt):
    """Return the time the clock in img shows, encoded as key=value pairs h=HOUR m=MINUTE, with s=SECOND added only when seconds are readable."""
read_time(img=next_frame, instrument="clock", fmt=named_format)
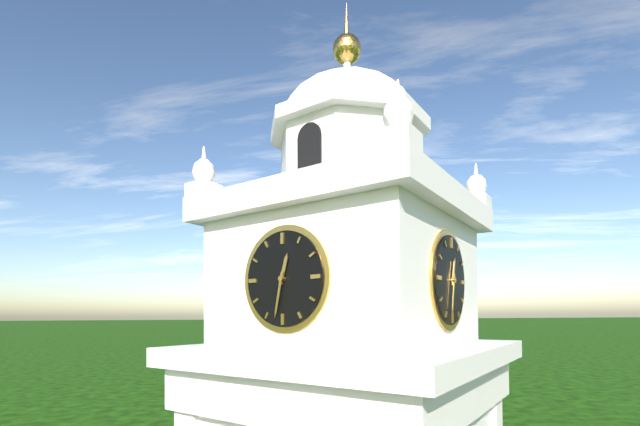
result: h=12 m=32
